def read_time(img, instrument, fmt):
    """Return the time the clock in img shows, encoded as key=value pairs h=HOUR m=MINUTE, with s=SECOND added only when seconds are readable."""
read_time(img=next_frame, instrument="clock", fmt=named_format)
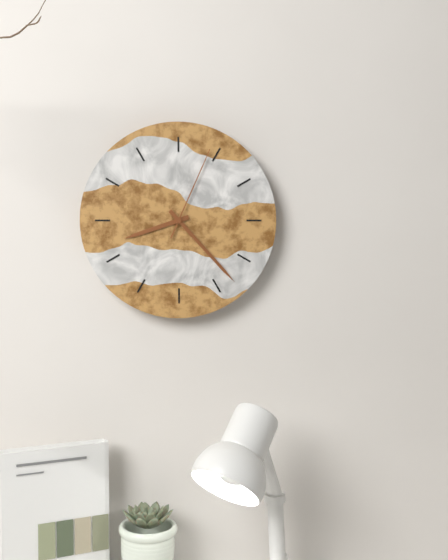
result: h=8 m=23 s=4
